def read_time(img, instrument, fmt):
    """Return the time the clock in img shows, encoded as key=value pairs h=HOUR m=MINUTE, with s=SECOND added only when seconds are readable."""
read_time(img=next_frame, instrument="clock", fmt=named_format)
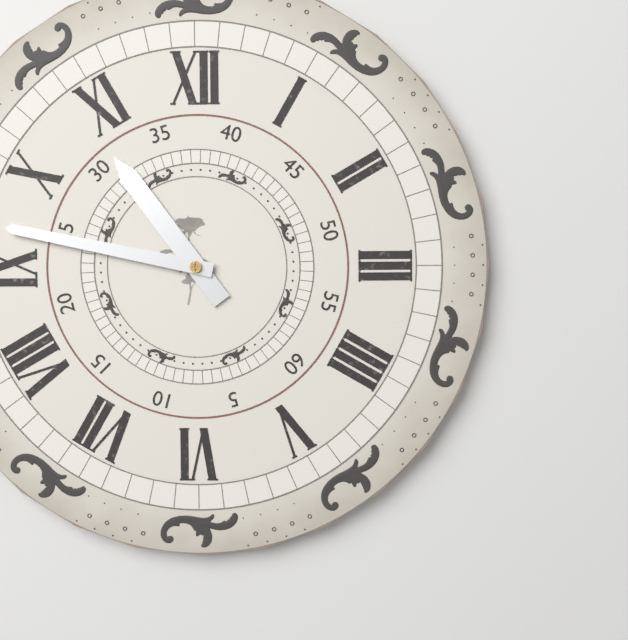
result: h=10 m=47
